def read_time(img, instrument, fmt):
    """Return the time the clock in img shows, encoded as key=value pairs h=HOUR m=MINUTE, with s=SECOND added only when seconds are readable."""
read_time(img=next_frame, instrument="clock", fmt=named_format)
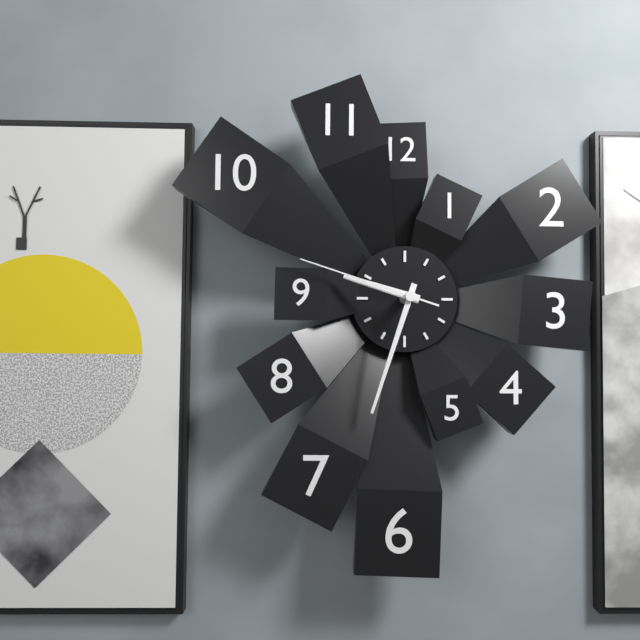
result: h=9 m=33 s=48
